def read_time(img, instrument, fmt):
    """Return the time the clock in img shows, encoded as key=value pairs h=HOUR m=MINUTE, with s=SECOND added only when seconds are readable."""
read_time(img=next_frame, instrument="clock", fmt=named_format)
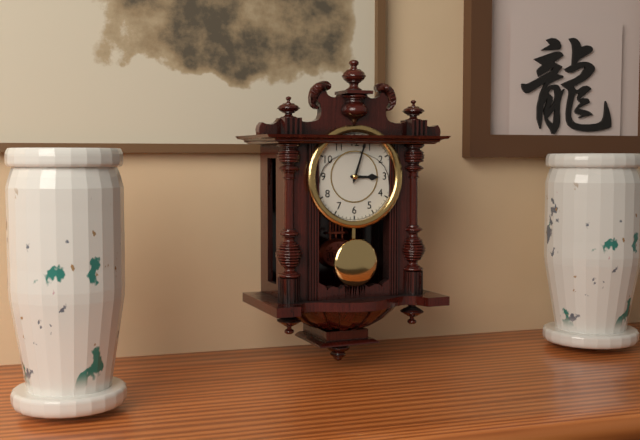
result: h=3 m=3
